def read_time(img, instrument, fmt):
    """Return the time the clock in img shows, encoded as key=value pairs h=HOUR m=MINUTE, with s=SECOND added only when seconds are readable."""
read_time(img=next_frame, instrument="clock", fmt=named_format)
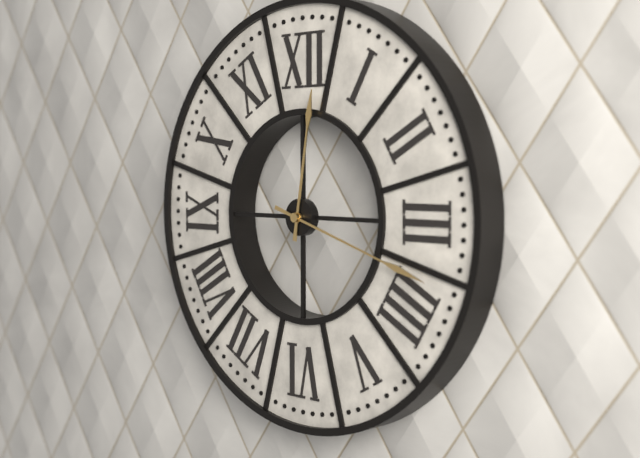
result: h=12 m=18
